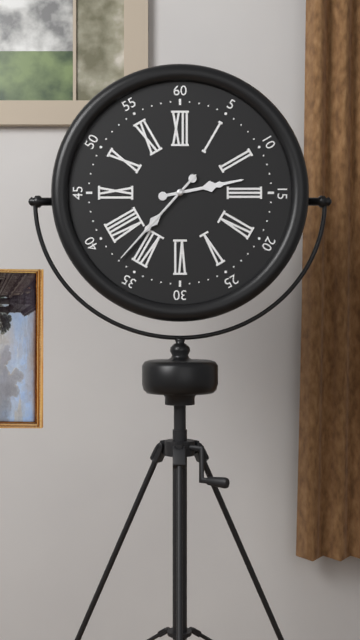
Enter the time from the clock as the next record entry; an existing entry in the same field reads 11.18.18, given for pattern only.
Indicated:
2.37.37
